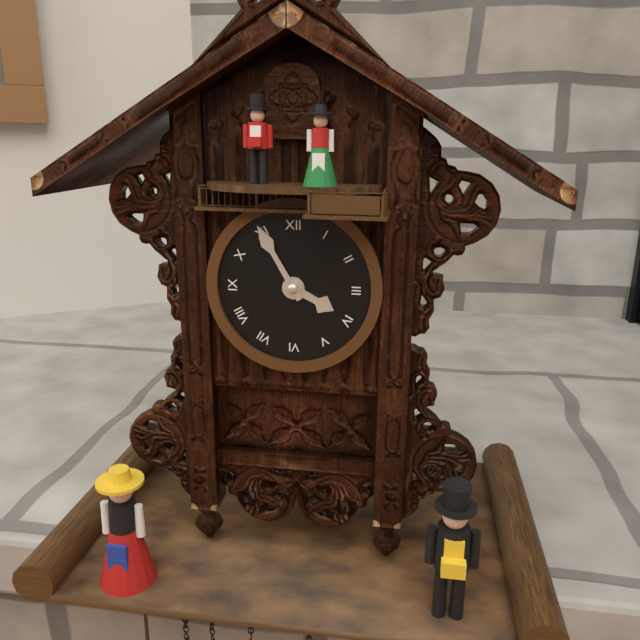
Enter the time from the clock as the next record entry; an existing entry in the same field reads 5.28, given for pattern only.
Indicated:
3.55
